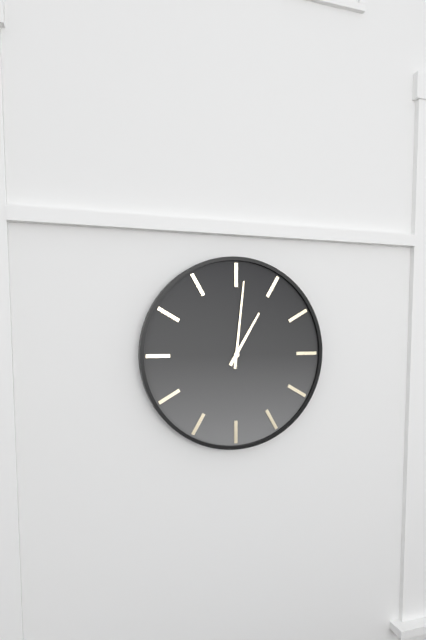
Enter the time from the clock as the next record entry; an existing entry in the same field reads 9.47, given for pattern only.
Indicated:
1.01
